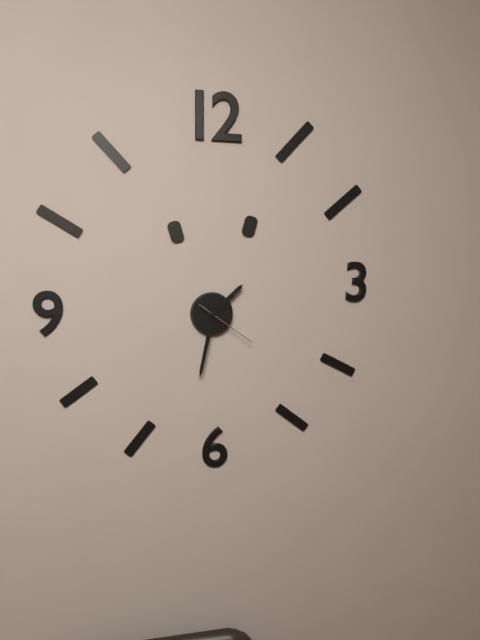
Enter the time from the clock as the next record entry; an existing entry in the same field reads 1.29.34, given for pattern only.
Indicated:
1.32.21
